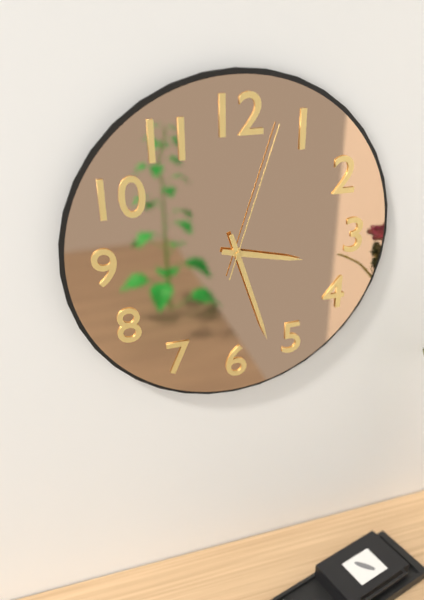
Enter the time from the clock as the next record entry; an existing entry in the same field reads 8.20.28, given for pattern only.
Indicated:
3.27.03
